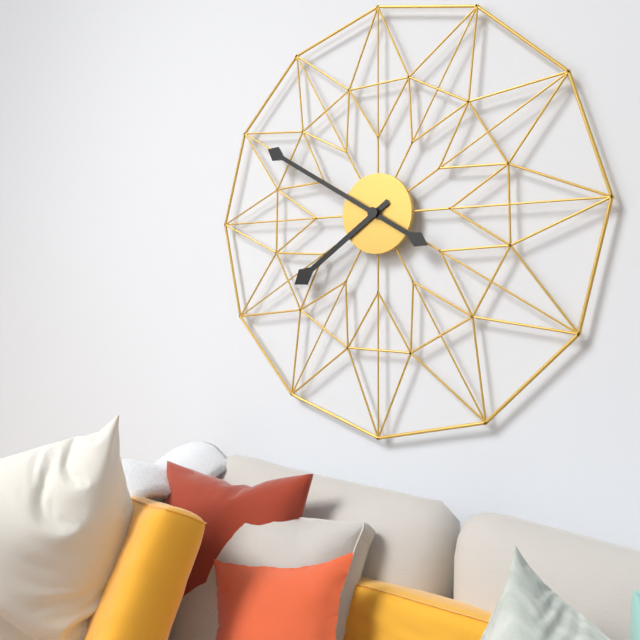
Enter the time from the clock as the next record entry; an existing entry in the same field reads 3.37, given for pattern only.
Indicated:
7.50
